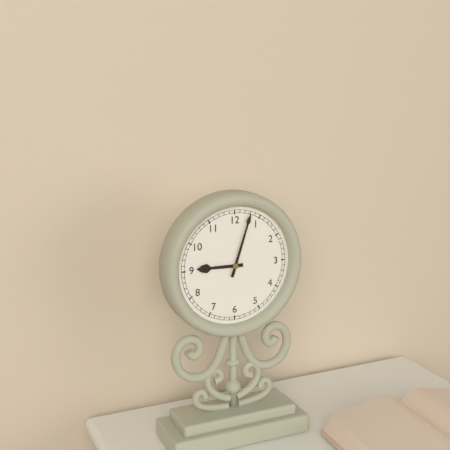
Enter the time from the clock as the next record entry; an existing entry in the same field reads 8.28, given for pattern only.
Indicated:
9.03
